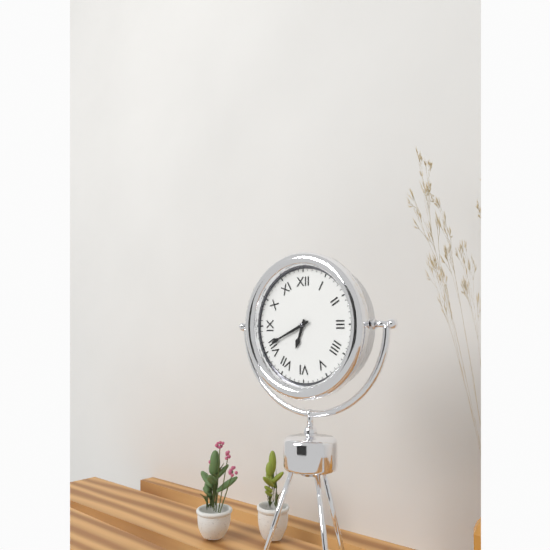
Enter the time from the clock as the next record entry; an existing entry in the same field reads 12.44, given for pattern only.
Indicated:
6.41
